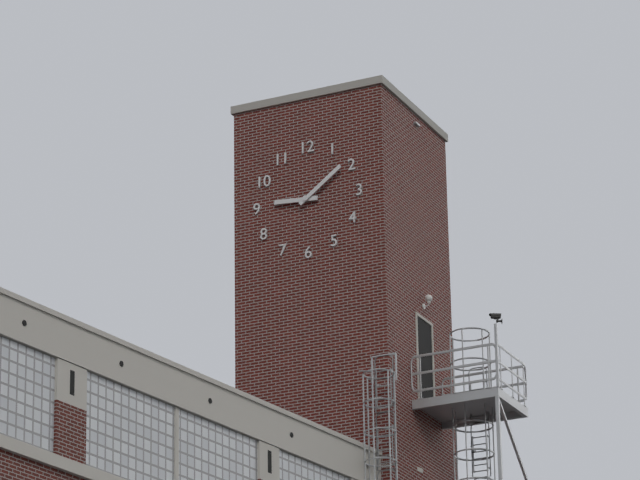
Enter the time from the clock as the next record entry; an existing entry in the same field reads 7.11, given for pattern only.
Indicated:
9.09
